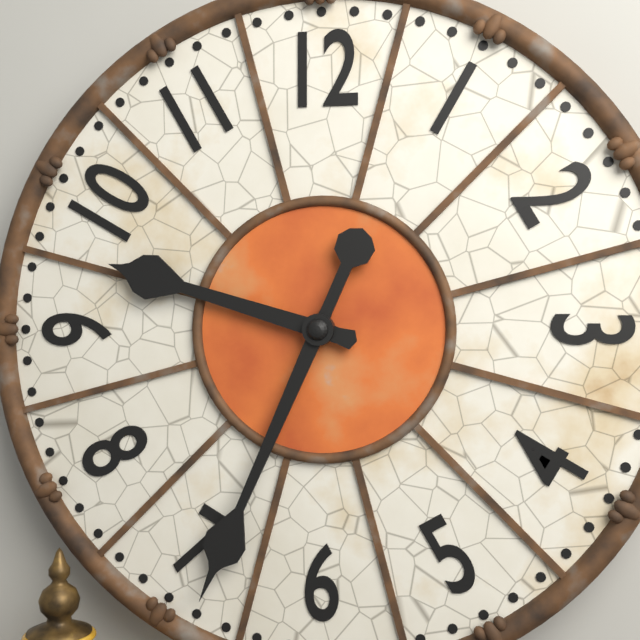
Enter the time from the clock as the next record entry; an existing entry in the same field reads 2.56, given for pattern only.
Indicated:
9.34
